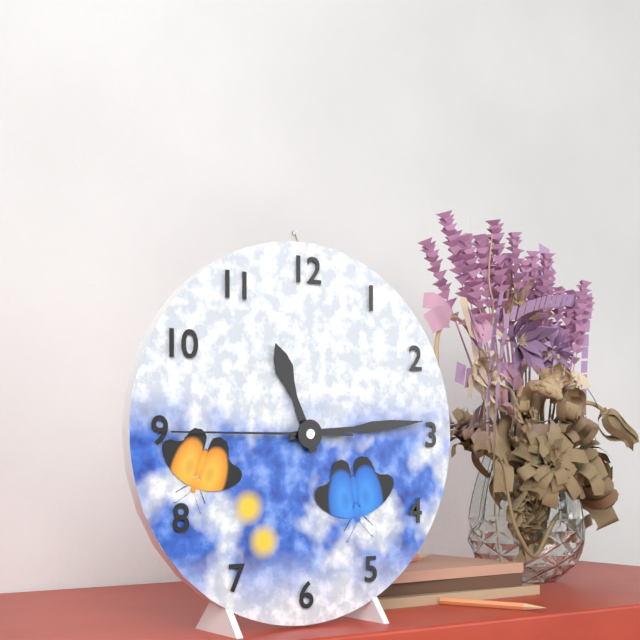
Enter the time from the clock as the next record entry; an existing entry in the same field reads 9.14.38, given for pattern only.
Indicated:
11.14.45
